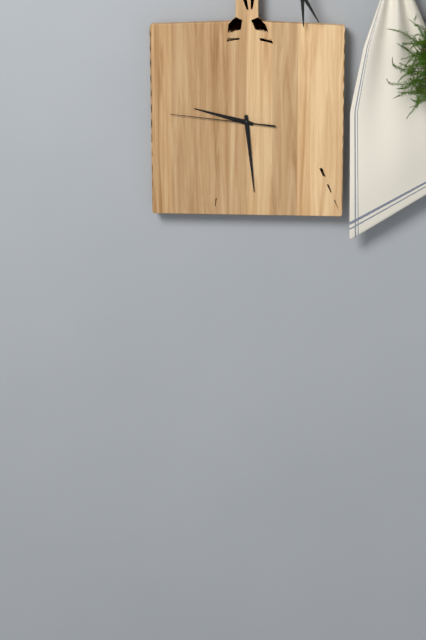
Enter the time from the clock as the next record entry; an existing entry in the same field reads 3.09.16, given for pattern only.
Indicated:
9.29.46
